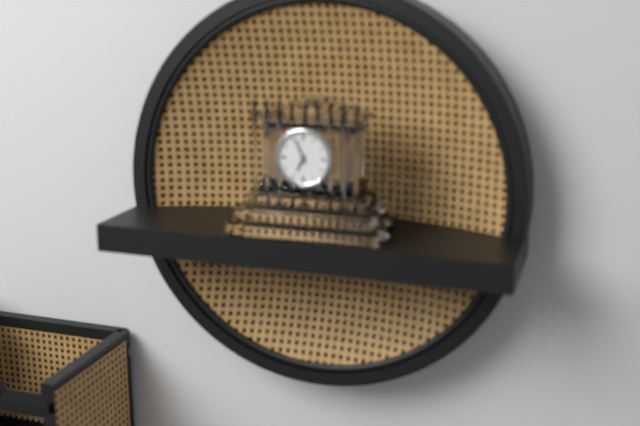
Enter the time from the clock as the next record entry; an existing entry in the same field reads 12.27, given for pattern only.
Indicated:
6.56
